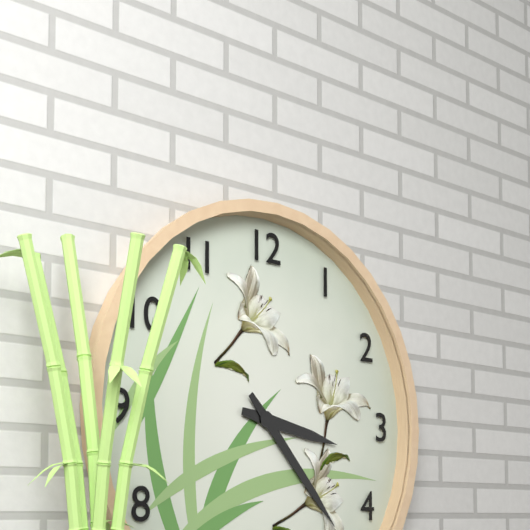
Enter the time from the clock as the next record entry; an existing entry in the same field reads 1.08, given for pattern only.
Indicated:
3.23
